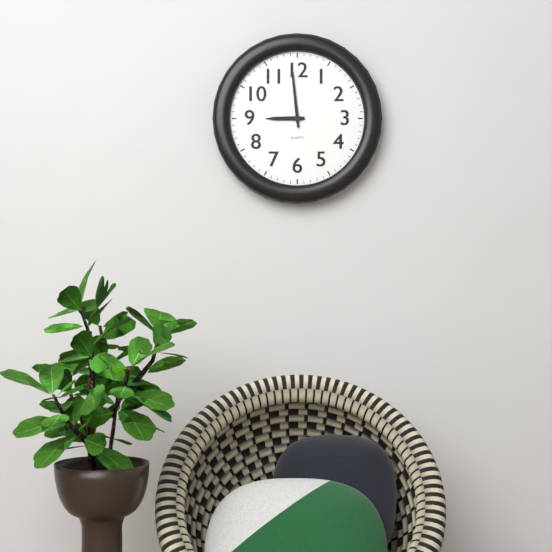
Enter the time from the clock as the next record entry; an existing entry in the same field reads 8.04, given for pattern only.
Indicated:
8.59
